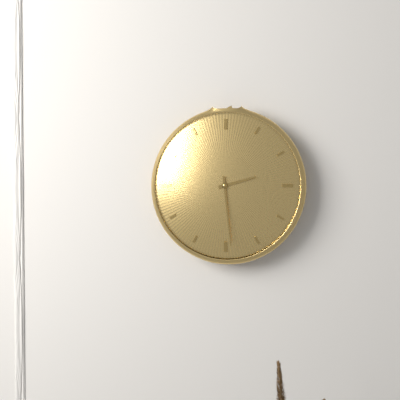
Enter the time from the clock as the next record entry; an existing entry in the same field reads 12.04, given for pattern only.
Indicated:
2.29
